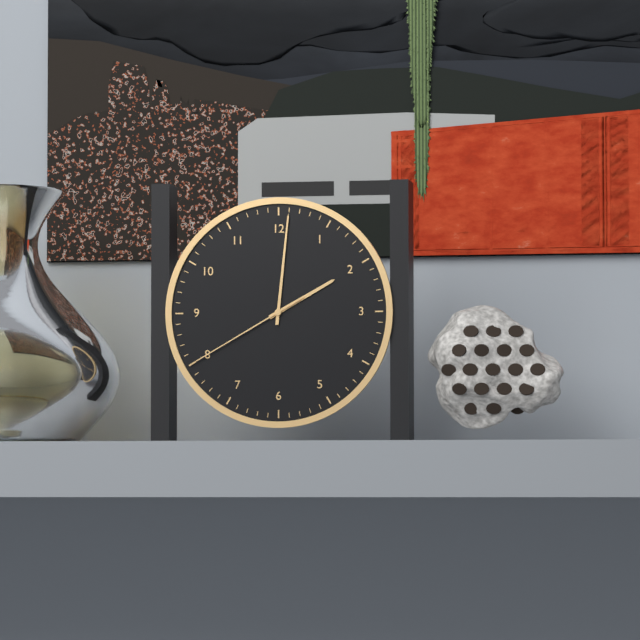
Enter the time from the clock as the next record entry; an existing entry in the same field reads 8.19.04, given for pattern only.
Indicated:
2.01.40
